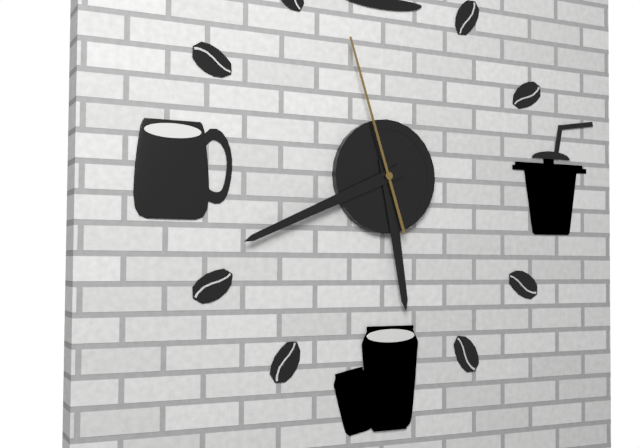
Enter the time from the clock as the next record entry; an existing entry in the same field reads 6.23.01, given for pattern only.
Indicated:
5.41.57
